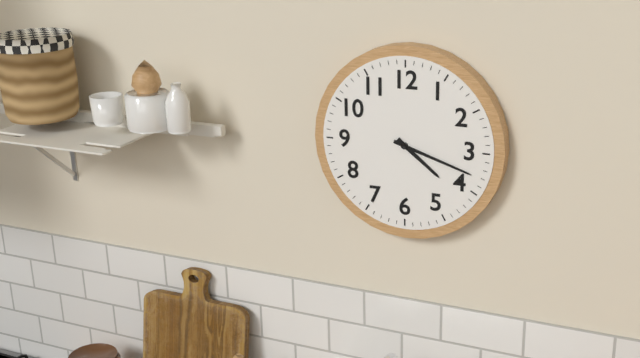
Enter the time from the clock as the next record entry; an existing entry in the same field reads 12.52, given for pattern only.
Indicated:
4.18
